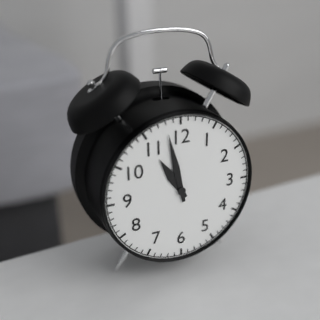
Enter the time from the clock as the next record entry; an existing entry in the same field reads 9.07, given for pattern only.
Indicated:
10.58
